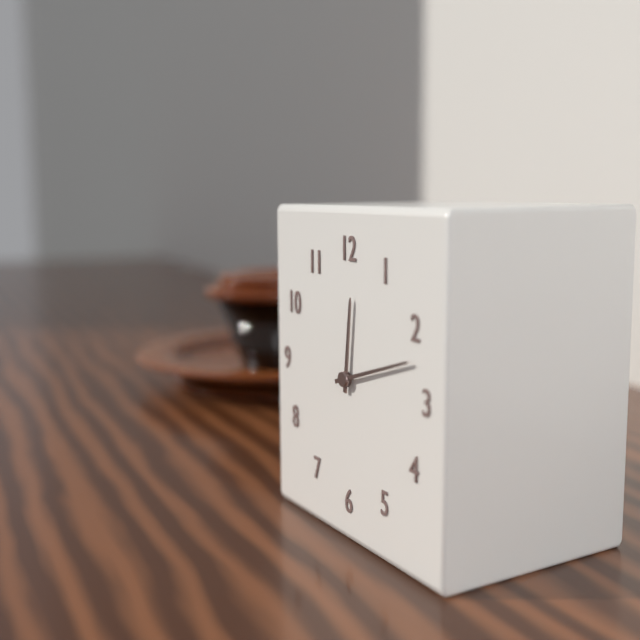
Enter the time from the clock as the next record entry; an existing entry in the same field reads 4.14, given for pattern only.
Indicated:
12.12
